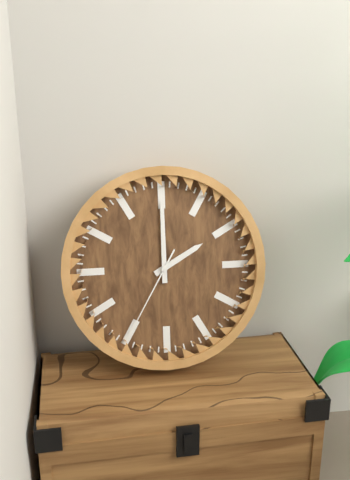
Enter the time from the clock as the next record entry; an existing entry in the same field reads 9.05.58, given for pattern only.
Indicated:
2.00.35
